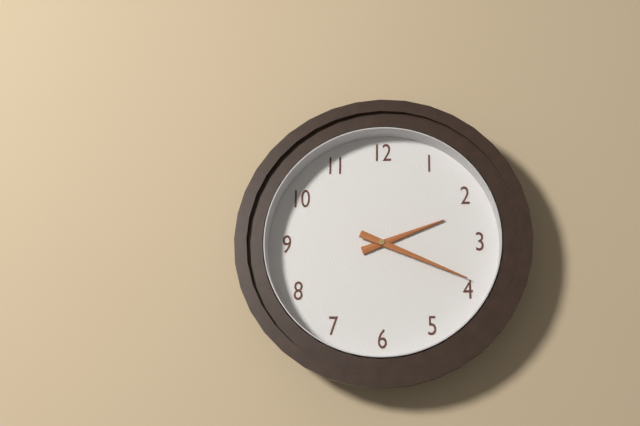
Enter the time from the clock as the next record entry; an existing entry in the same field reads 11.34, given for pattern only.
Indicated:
2.19
